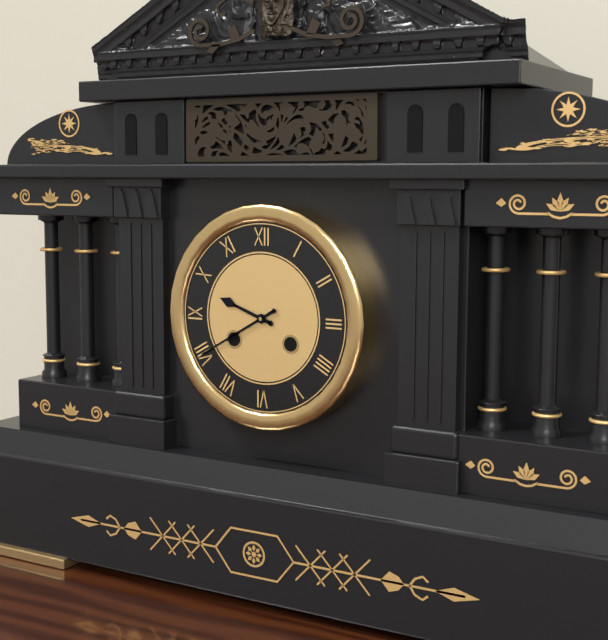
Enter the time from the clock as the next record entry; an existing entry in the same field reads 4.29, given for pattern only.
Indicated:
9.40
